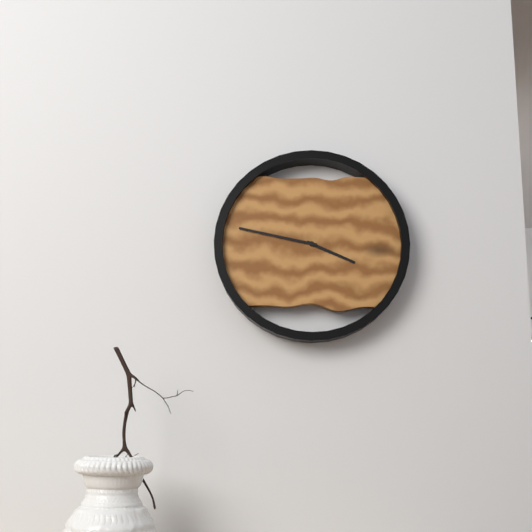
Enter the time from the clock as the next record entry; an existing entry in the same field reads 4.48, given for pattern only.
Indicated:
3.47
